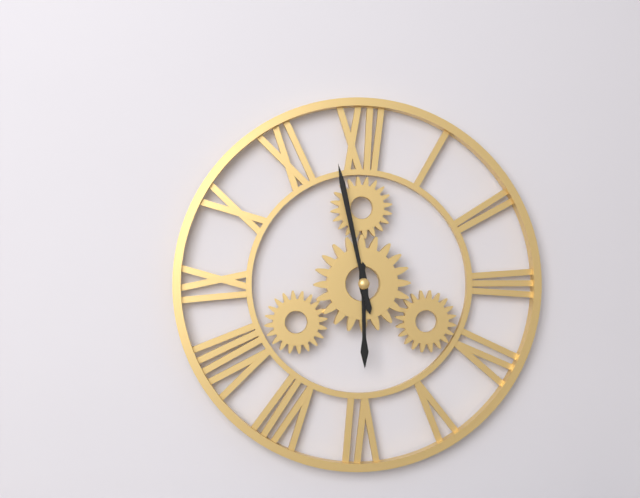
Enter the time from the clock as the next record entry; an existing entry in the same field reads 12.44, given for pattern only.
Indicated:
5.58
